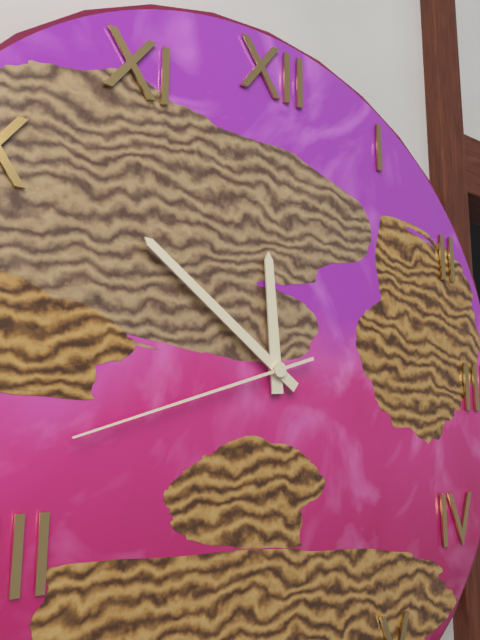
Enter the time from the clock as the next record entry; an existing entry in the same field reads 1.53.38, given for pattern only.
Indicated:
11.51.42
